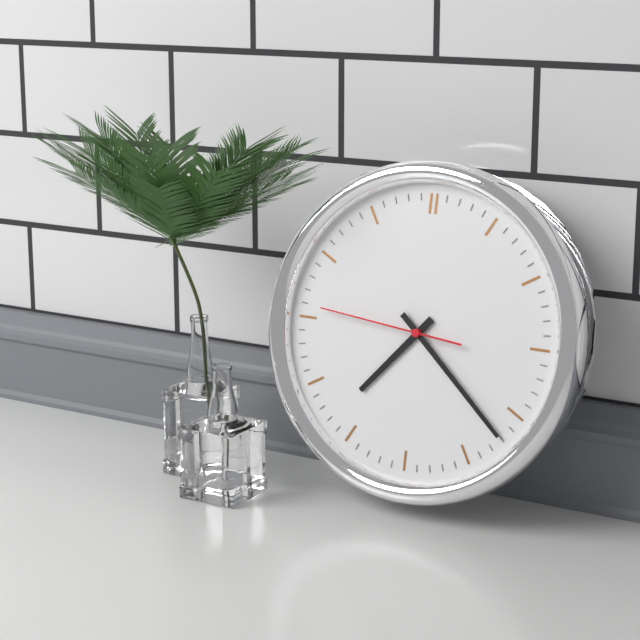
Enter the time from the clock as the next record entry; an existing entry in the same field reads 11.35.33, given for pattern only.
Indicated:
7.22.46
